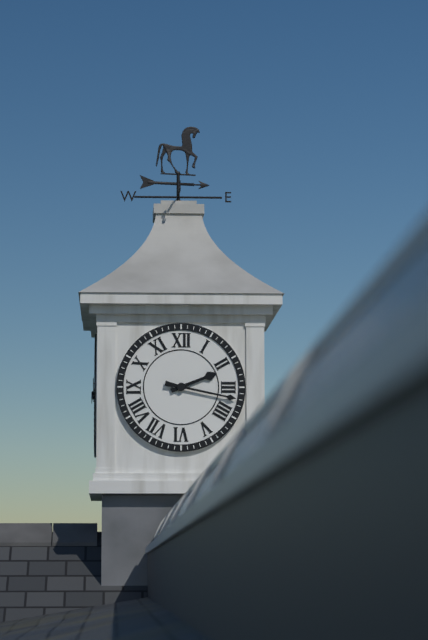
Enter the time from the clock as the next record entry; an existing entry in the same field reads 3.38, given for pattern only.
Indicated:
2.17
